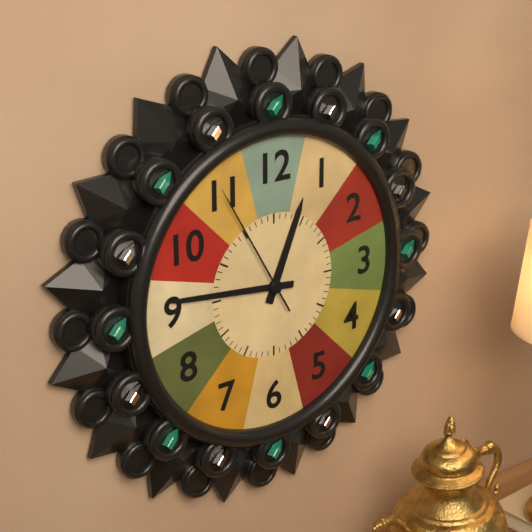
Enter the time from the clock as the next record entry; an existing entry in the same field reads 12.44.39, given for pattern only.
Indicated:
12.46.55
